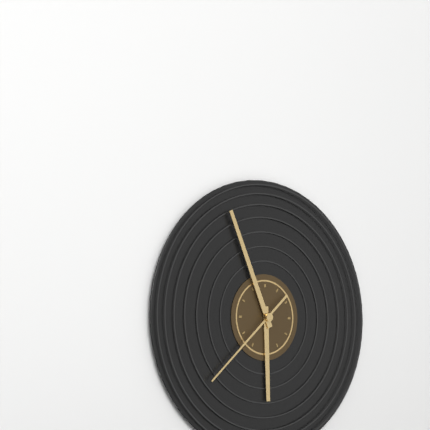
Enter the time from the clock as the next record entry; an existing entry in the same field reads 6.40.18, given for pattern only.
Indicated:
5.56.38
